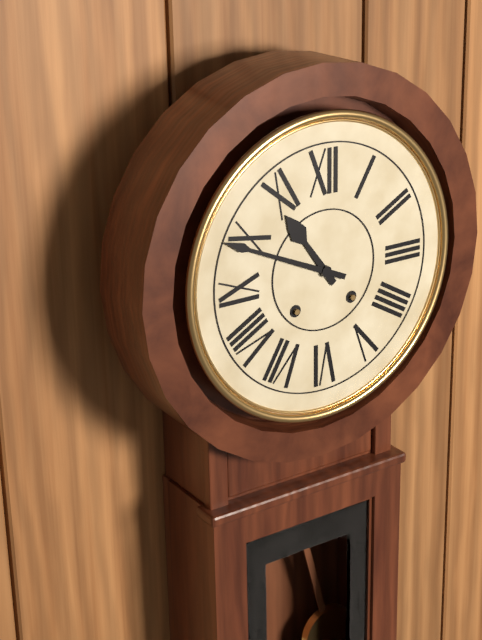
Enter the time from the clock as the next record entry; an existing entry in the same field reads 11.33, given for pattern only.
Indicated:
10.49
